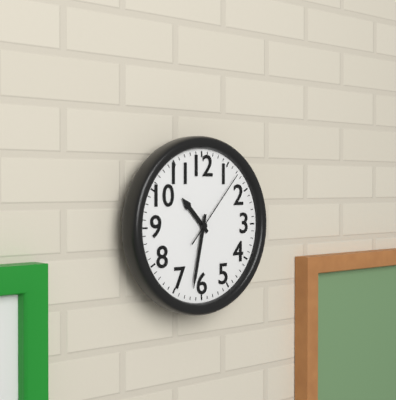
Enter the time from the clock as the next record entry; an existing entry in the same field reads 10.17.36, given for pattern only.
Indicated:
10.32.07
